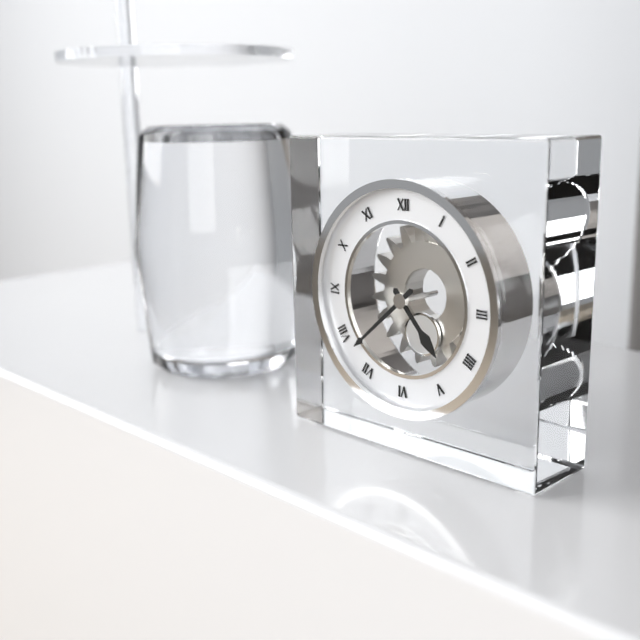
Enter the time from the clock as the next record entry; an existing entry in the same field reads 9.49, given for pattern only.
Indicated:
4.38
